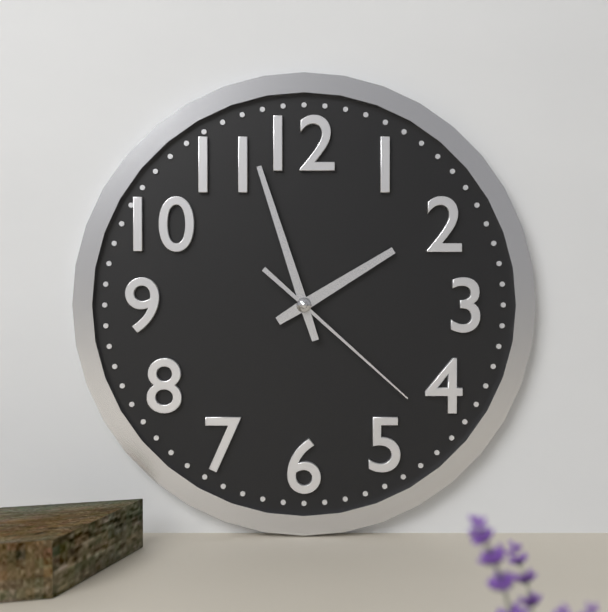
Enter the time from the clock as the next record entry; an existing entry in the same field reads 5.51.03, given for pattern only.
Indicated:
1.57.22
